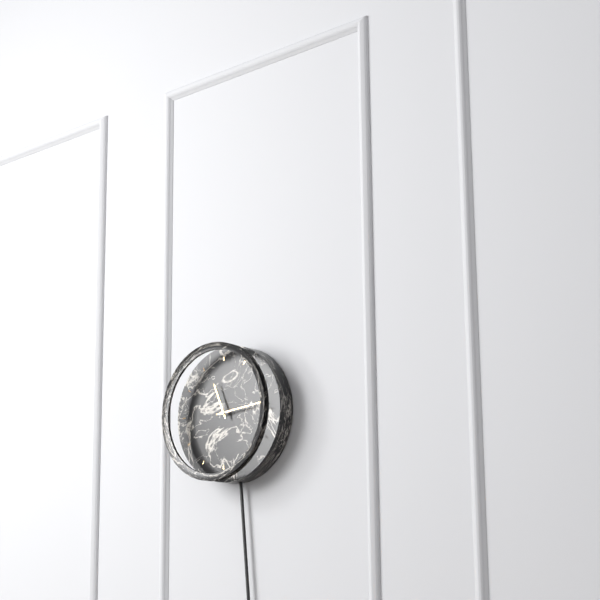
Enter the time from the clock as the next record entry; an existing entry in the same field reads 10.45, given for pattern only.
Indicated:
11.14
